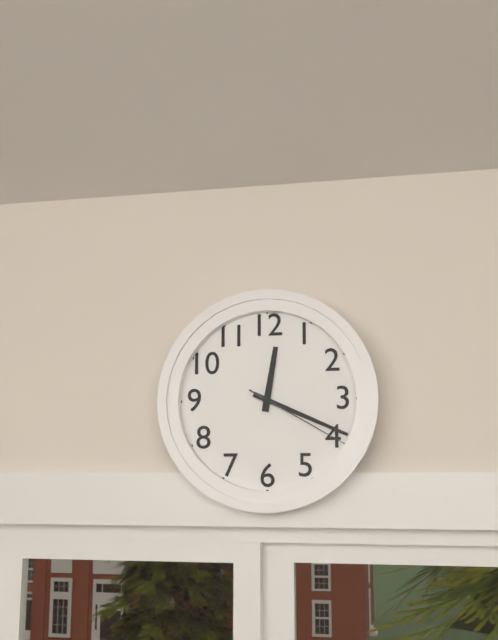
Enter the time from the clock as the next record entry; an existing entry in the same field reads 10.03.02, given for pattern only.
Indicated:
12.19.20
